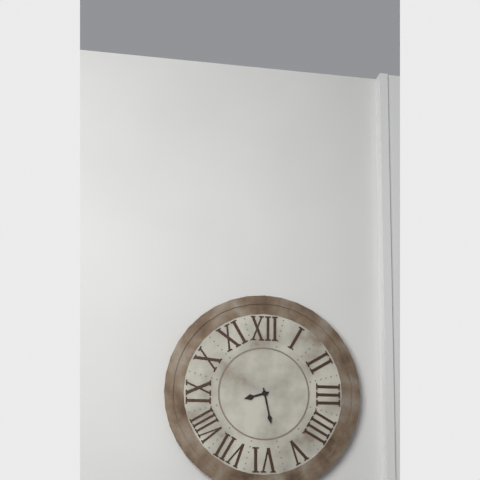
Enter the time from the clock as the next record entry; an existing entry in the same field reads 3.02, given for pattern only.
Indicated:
8.28
